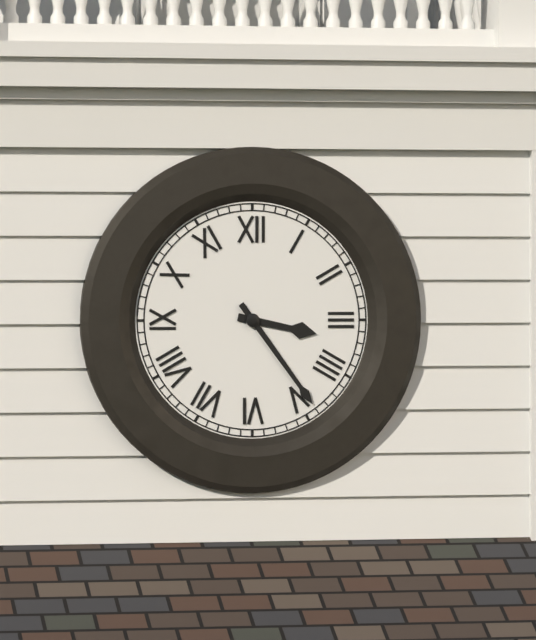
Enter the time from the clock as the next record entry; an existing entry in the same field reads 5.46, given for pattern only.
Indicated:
3.24
